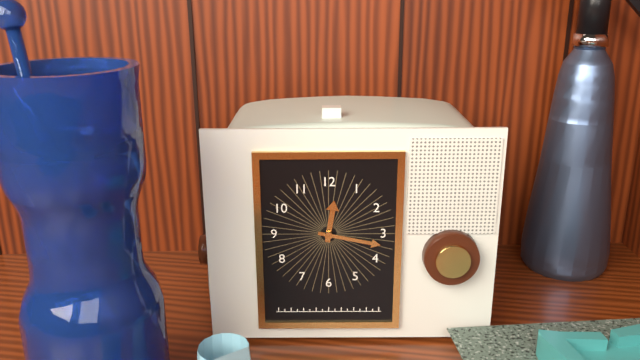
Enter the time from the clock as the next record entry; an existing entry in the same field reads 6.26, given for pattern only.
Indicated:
12.17
